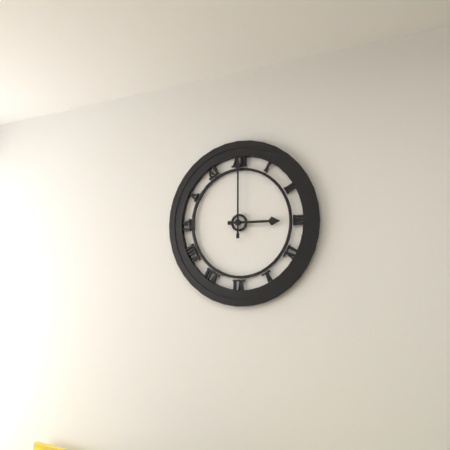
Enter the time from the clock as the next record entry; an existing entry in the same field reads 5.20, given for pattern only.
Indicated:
3.00
